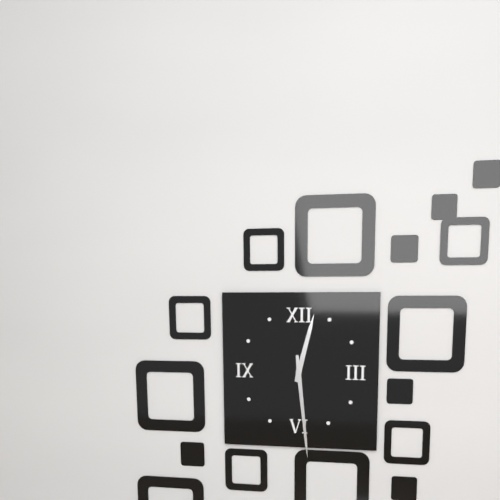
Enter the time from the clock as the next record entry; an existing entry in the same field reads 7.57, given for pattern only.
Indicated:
12.29
